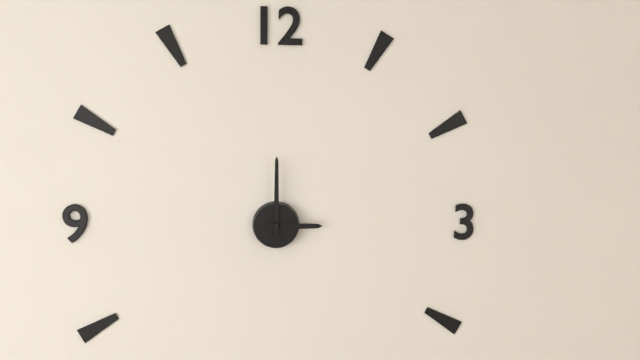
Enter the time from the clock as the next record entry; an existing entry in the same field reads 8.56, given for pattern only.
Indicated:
3.00
